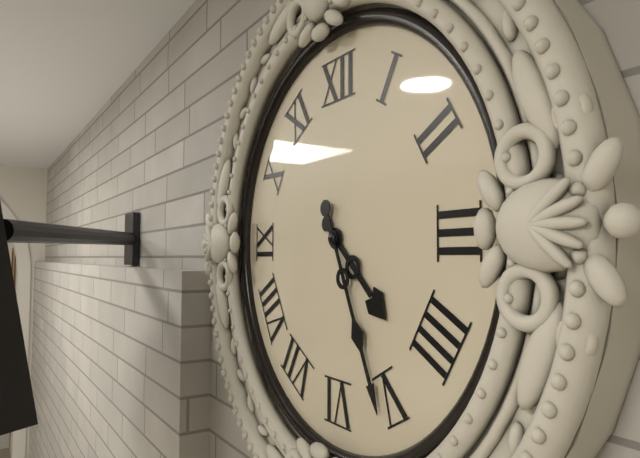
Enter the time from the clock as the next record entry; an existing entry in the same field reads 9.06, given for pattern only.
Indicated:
4.26
